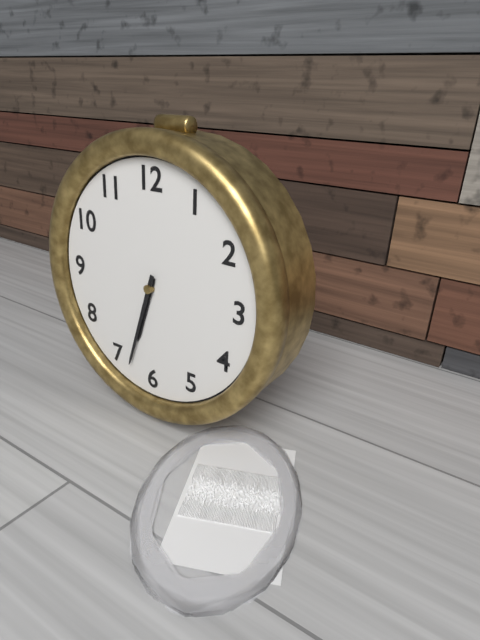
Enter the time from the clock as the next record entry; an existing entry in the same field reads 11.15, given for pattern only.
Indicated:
6.33
